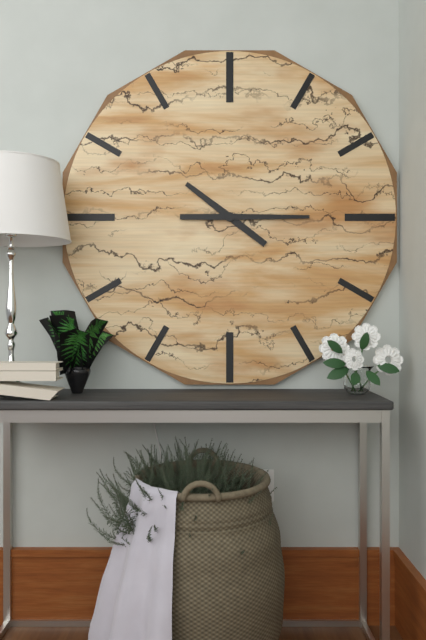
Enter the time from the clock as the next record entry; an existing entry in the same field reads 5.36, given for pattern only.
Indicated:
10.15
